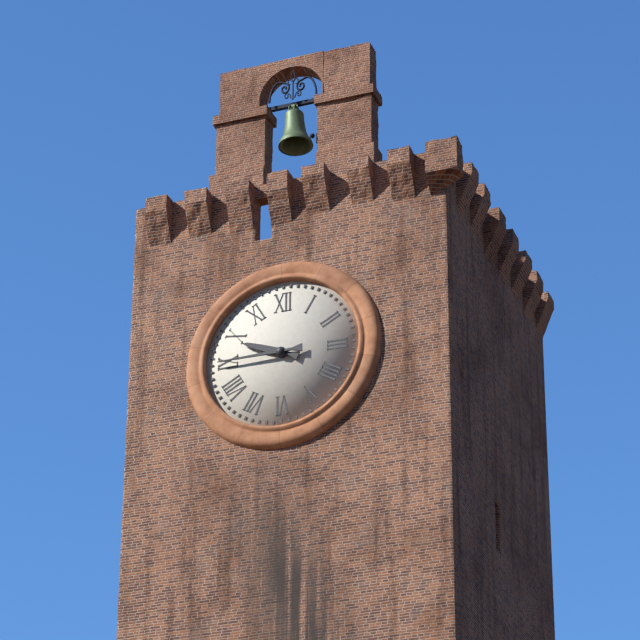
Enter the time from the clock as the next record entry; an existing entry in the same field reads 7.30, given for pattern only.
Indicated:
9.45
